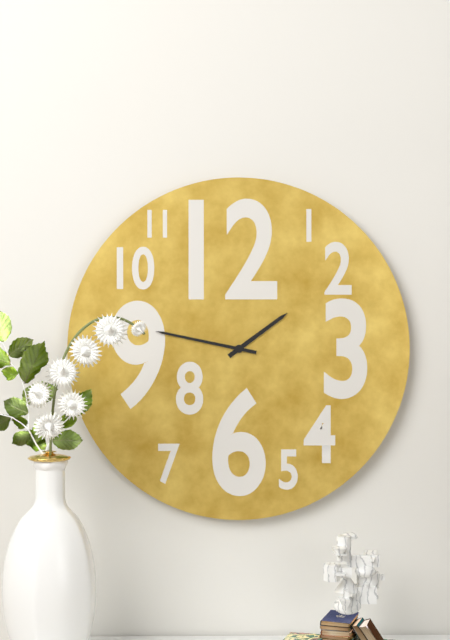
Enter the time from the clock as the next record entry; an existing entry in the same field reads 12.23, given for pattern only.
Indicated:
1.47
